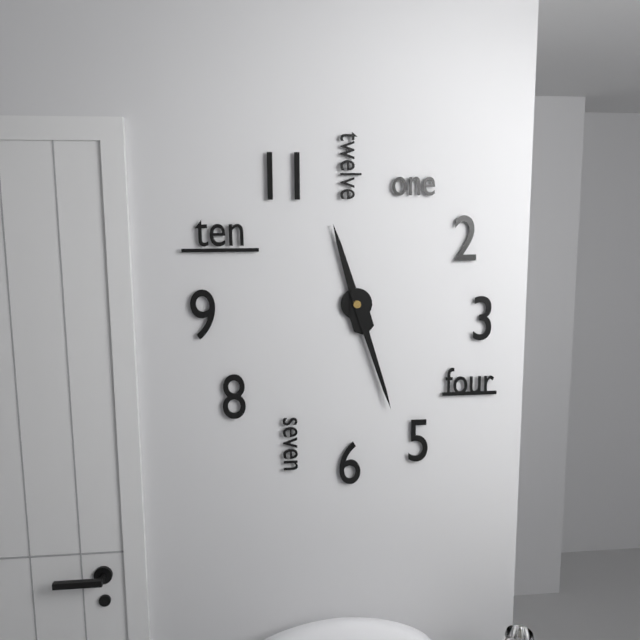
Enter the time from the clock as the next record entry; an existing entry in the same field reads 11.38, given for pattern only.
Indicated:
11.27
